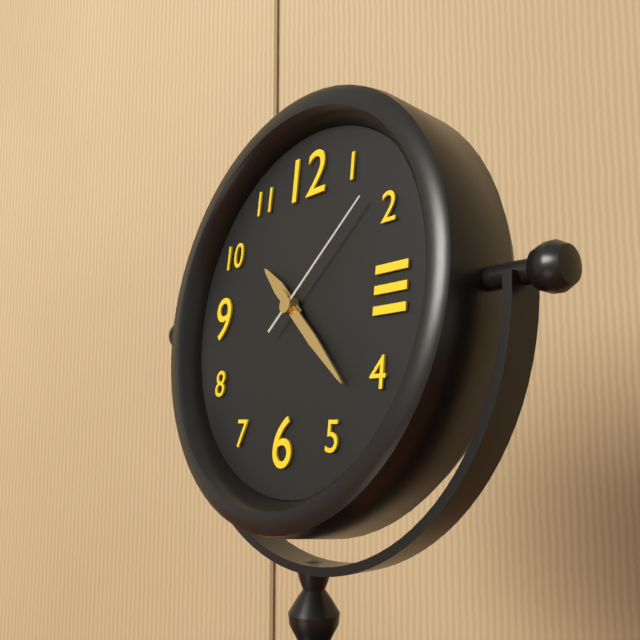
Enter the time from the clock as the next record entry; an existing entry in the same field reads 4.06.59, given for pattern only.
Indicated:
10.22.08
